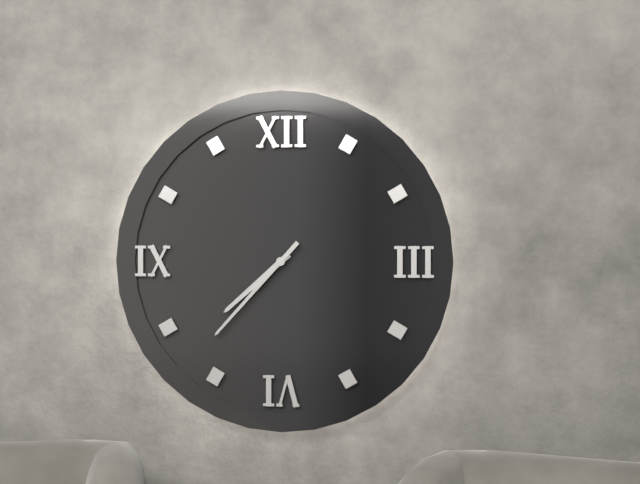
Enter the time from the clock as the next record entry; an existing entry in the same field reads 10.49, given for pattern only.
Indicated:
7.37
